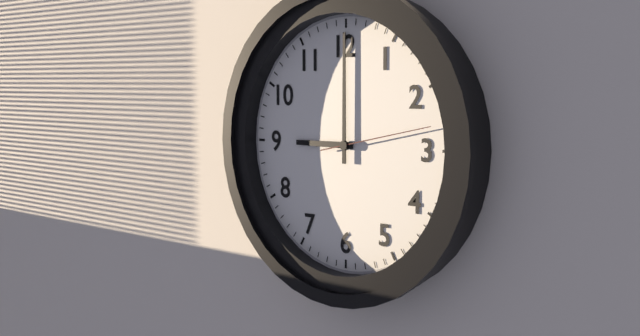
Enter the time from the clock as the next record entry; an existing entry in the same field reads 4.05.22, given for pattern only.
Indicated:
9.00.13
